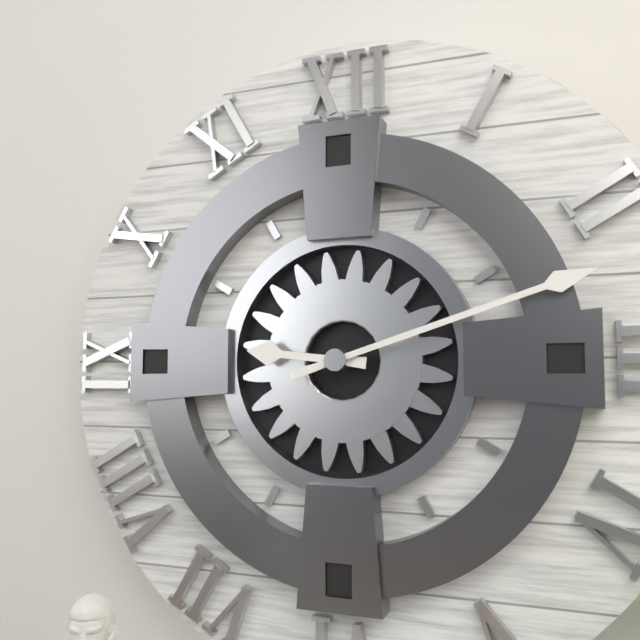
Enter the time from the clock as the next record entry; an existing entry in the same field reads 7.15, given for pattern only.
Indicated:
9.12
